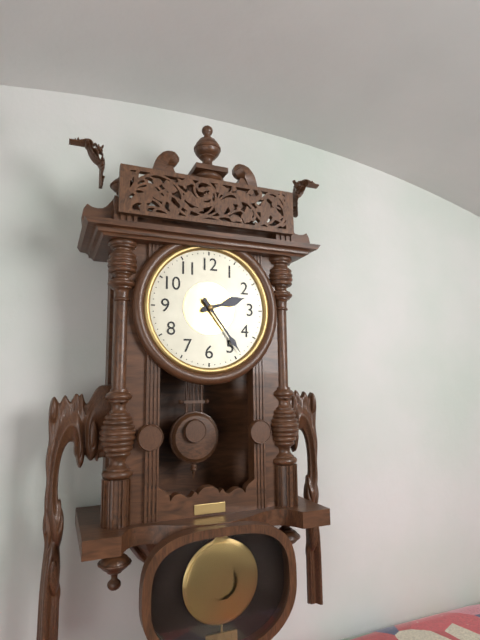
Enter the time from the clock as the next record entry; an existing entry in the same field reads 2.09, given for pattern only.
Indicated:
2.24
